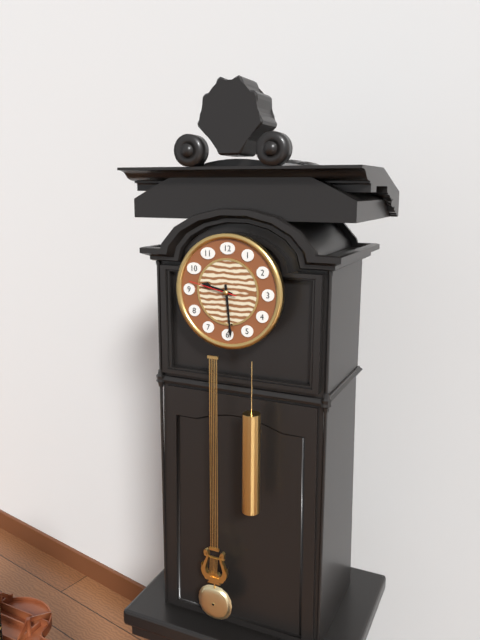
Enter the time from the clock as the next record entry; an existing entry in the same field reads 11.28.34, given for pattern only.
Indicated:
9.29.47
